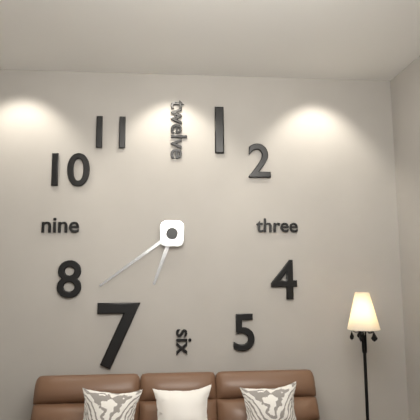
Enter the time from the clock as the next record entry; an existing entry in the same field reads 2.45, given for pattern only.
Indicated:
6.39
